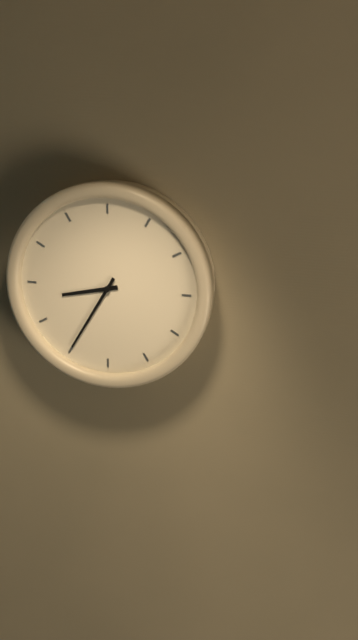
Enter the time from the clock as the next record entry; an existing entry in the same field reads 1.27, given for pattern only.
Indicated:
8.35
